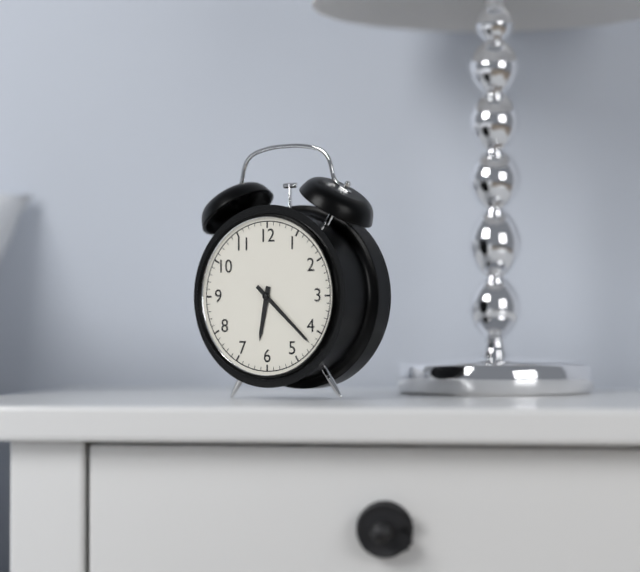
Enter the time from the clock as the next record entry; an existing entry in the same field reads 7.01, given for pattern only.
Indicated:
6.22
